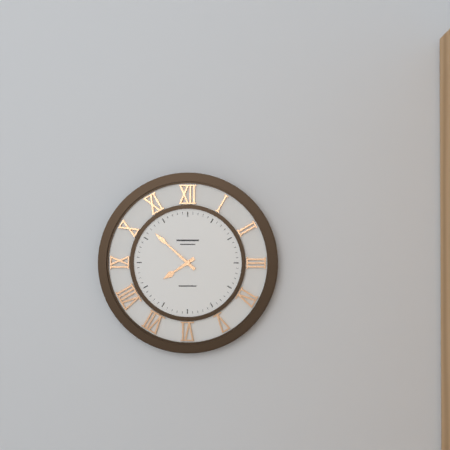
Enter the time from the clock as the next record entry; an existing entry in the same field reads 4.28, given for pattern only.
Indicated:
7.52
